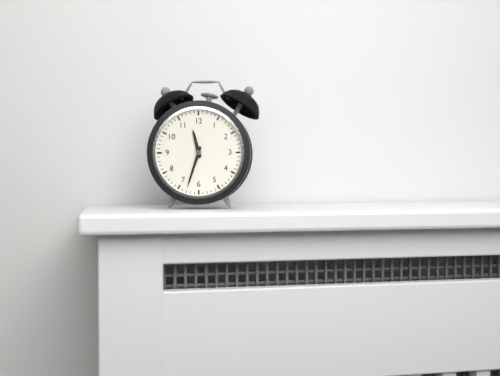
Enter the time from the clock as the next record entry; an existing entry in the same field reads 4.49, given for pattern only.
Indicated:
11.33
